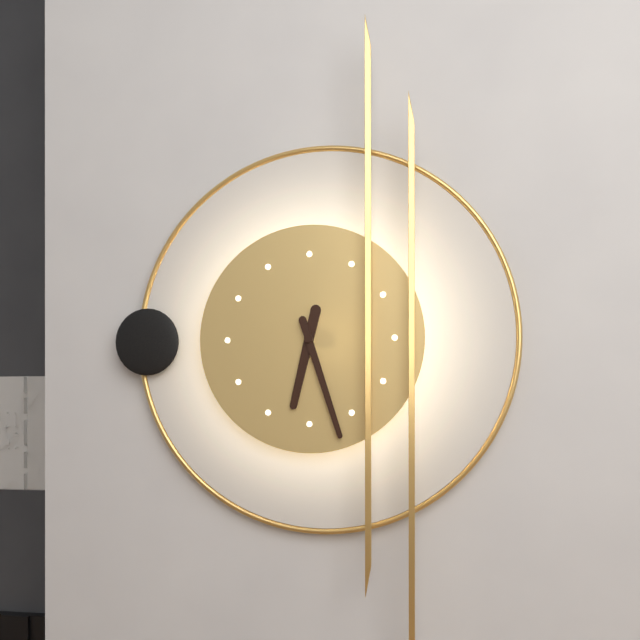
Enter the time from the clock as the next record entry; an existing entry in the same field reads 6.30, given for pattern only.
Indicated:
6.27
